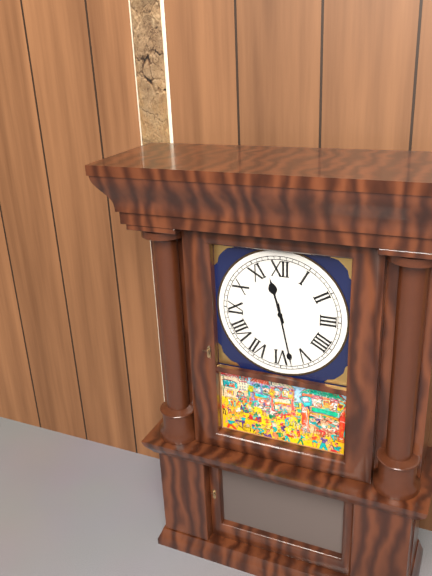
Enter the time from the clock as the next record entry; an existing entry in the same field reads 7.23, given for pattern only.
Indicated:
11.28
